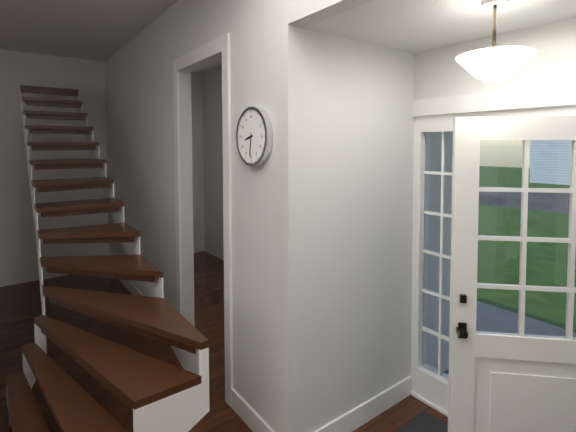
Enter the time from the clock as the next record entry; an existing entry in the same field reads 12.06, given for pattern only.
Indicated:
8.31
